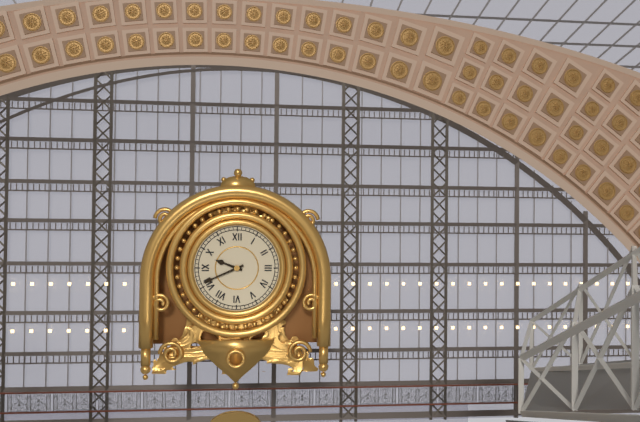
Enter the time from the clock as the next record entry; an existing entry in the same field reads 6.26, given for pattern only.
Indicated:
9.41
